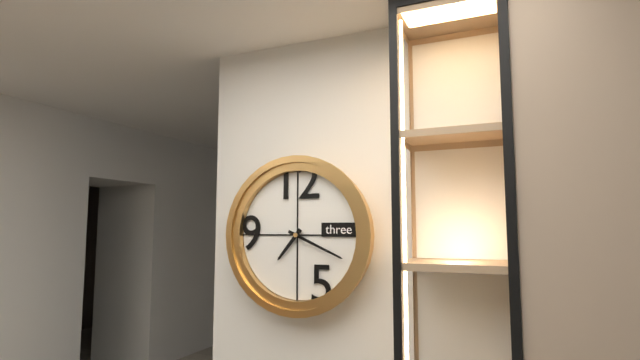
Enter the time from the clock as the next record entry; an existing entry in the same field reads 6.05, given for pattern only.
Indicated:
7.19
